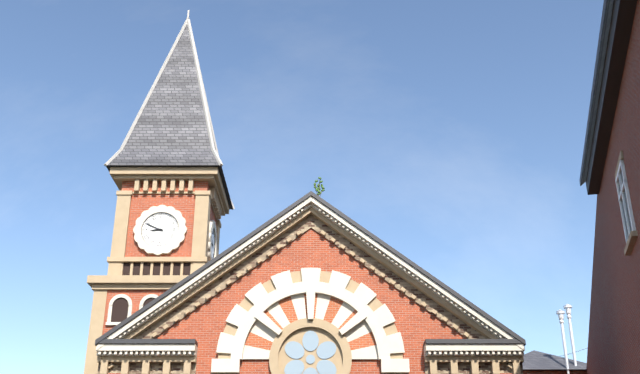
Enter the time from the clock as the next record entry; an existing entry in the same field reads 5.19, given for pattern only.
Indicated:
8.49
